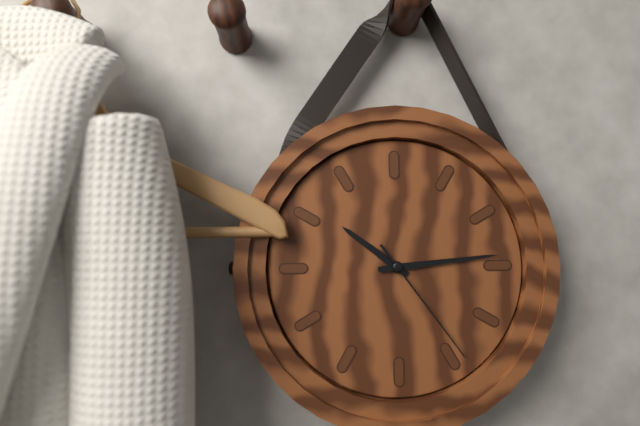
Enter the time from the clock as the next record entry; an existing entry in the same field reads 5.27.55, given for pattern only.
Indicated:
10.14.24
